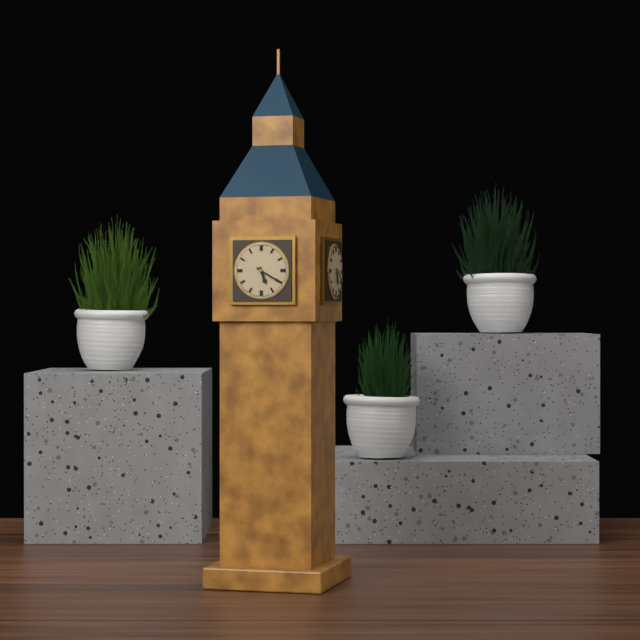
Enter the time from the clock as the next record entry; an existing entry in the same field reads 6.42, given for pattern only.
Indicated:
5.20
